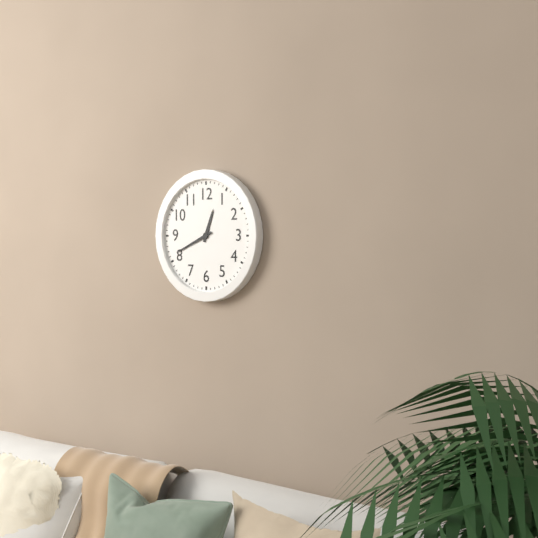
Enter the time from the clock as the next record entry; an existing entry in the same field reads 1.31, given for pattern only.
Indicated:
12.41
